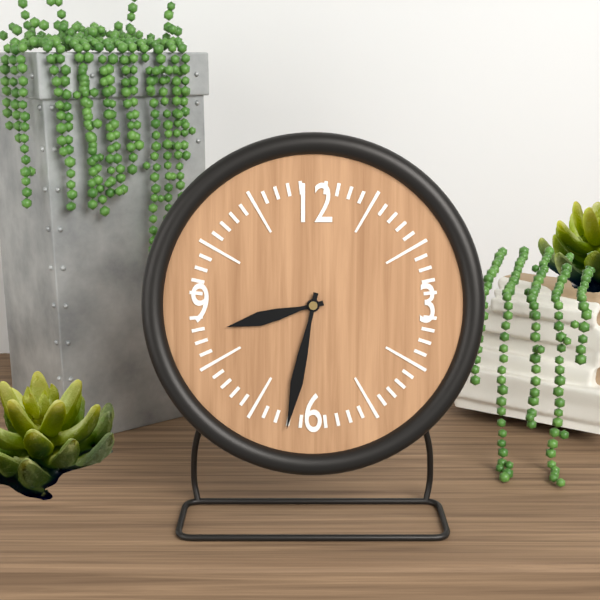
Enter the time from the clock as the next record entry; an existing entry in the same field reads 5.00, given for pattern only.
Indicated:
8.32
